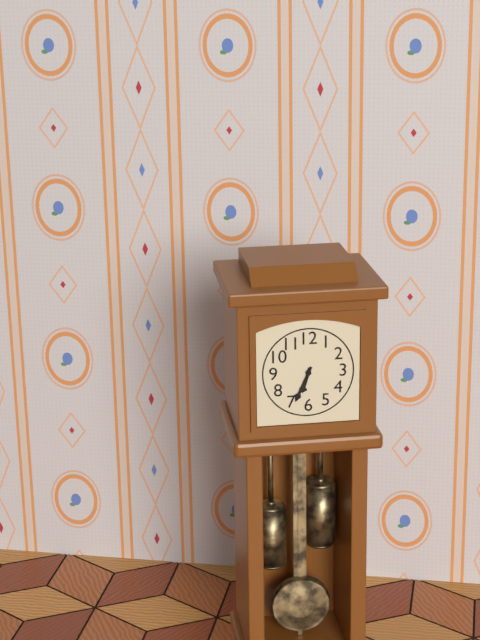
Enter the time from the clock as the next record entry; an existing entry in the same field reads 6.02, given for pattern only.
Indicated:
6.34
